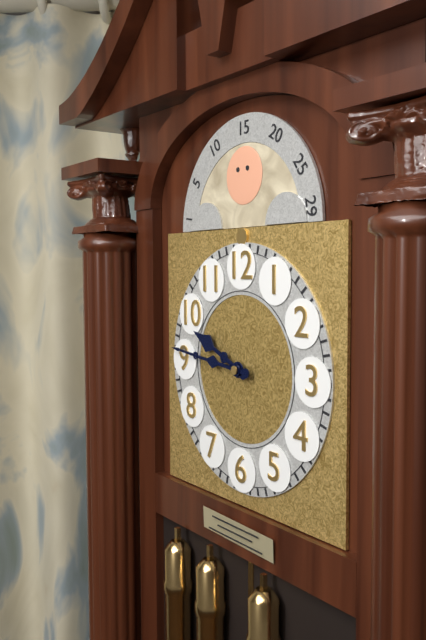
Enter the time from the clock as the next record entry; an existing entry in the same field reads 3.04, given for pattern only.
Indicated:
9.46
